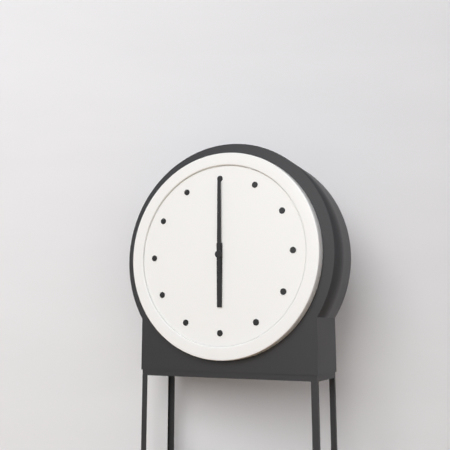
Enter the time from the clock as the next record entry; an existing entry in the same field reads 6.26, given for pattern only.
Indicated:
6.00
